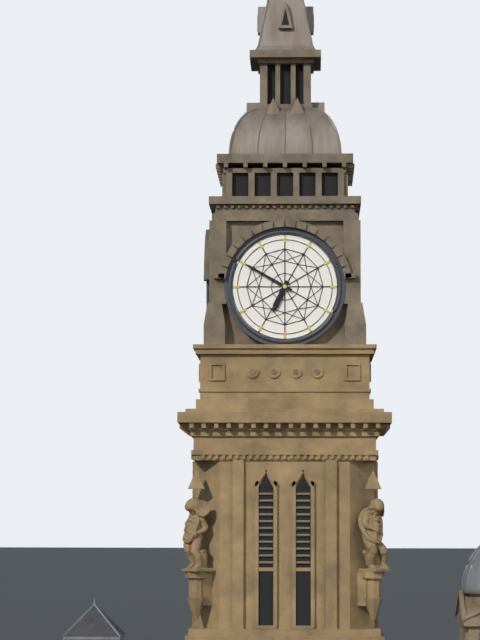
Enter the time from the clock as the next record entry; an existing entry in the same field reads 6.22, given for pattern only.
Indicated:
6.50
